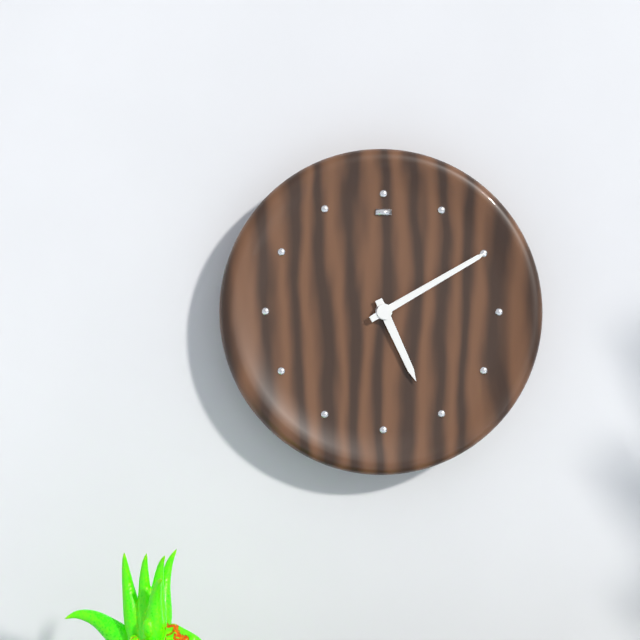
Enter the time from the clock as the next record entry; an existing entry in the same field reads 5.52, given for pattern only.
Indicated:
5.10
